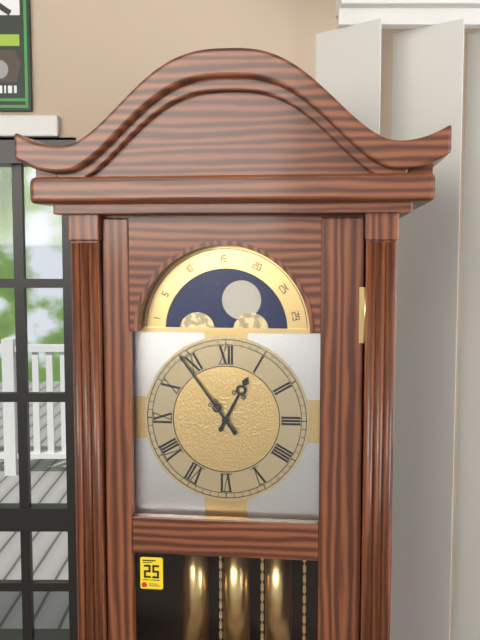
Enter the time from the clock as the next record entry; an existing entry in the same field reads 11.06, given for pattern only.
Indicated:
12.54
